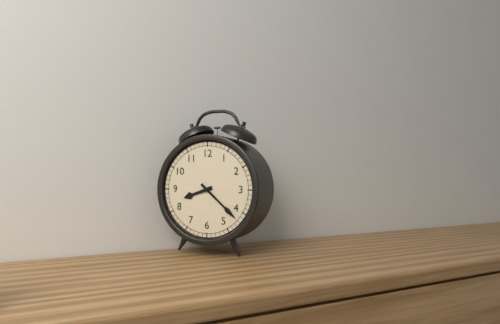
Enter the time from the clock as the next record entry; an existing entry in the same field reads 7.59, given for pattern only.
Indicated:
8.22
